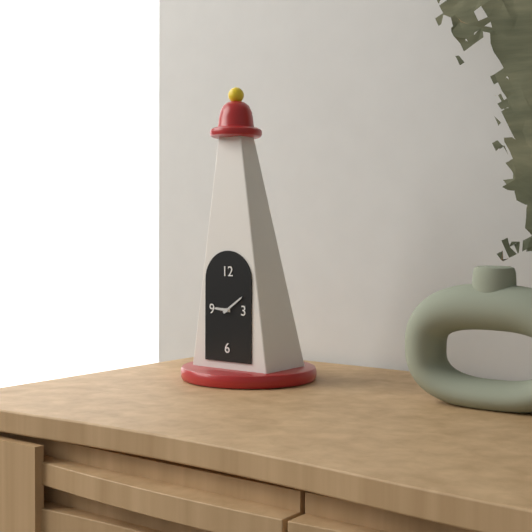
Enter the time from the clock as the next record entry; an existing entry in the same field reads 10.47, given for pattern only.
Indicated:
9.09
